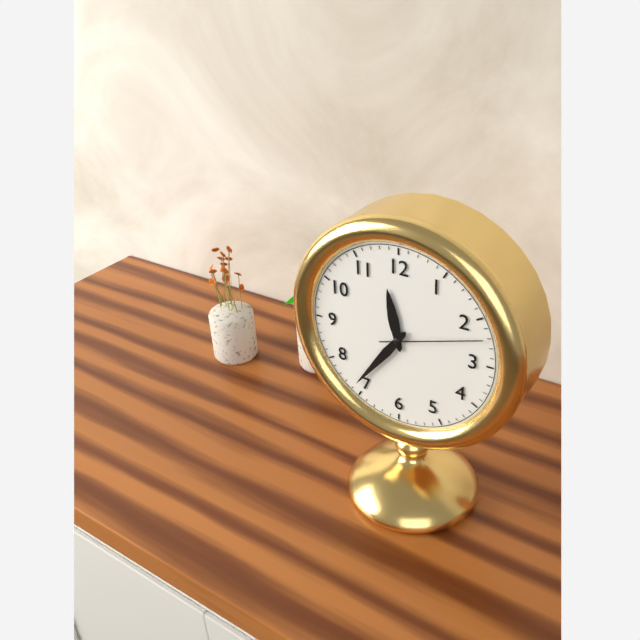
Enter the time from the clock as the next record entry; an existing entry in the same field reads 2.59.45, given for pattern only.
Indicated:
11.36.12
